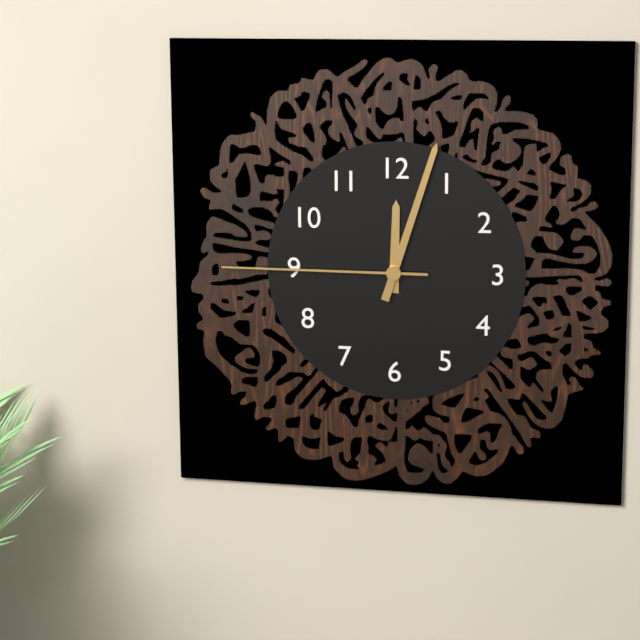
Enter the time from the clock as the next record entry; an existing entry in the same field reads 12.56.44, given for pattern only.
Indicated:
12.03.45
